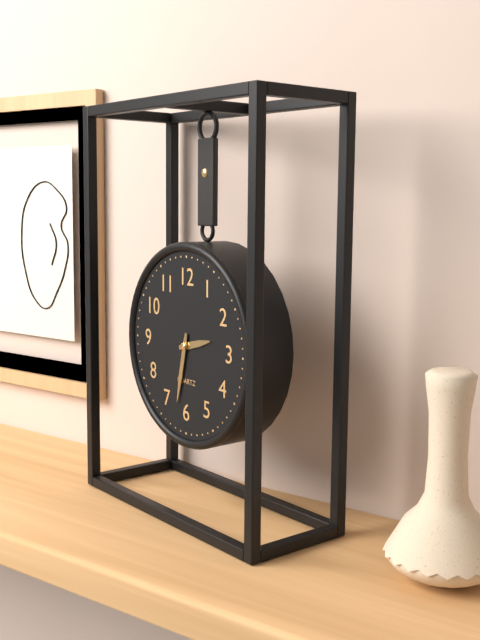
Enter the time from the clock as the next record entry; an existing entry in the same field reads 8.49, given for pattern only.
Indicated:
2.32
